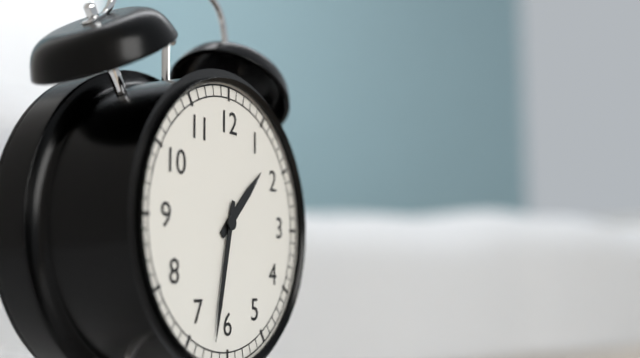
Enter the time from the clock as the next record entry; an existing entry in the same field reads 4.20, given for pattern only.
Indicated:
1.32
